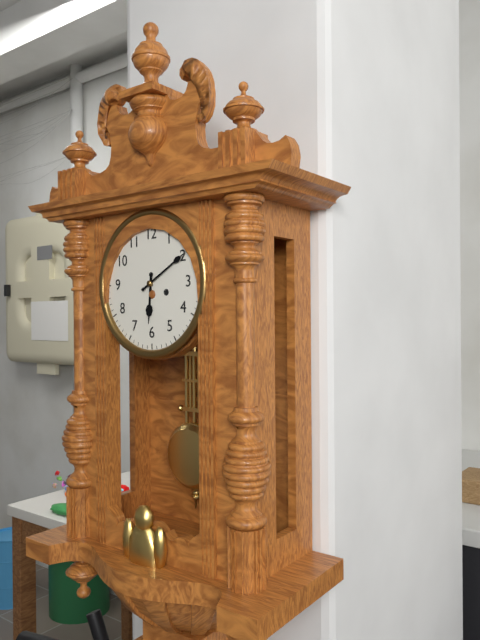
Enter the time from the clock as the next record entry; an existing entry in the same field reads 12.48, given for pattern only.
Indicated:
6.10
